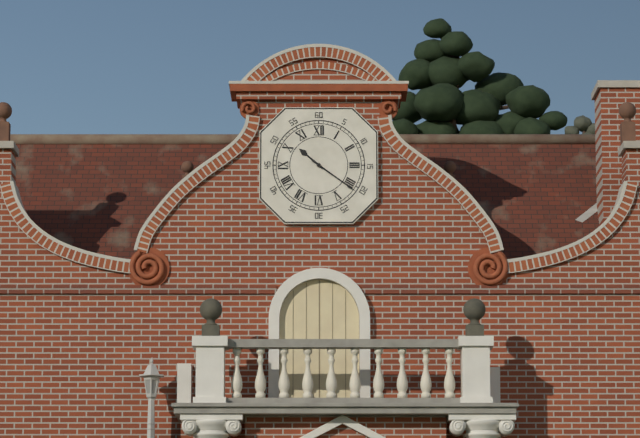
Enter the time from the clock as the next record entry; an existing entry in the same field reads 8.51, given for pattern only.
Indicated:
10.21
